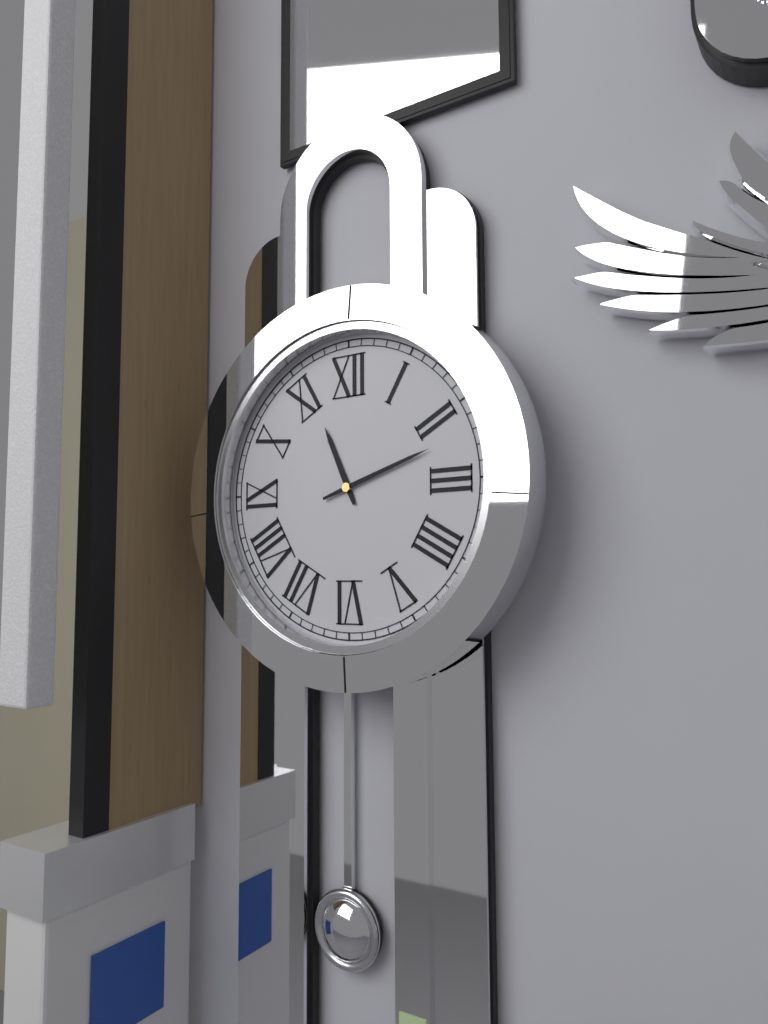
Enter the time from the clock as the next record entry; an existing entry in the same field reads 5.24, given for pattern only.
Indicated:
11.12
